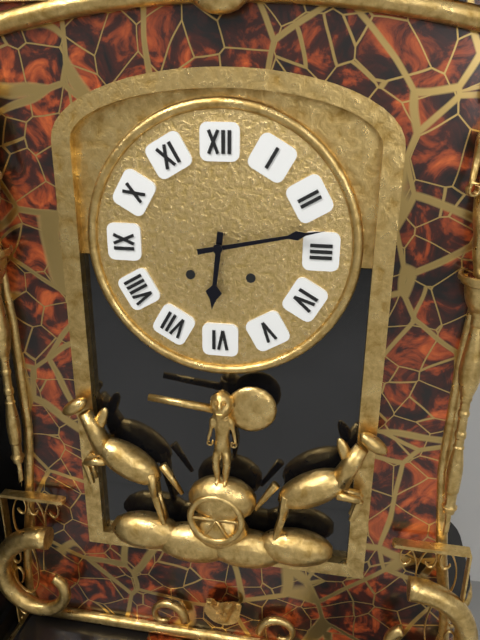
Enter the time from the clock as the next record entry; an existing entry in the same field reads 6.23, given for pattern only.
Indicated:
6.13
